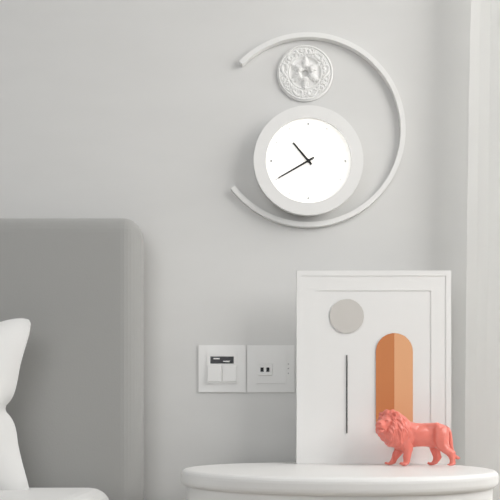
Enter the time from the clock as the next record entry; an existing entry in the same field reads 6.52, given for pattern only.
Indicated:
10.40
